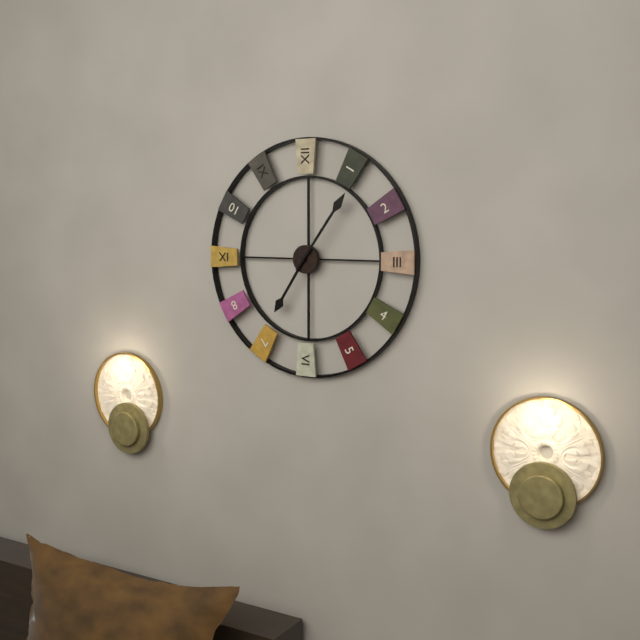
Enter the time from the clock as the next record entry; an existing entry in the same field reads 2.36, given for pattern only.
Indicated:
7.06
